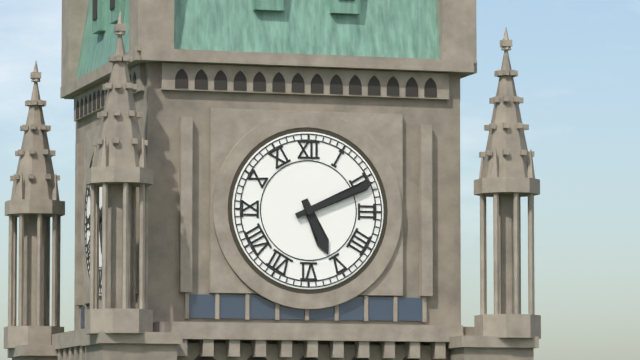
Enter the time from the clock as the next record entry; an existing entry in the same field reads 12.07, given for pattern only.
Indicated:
5.11
